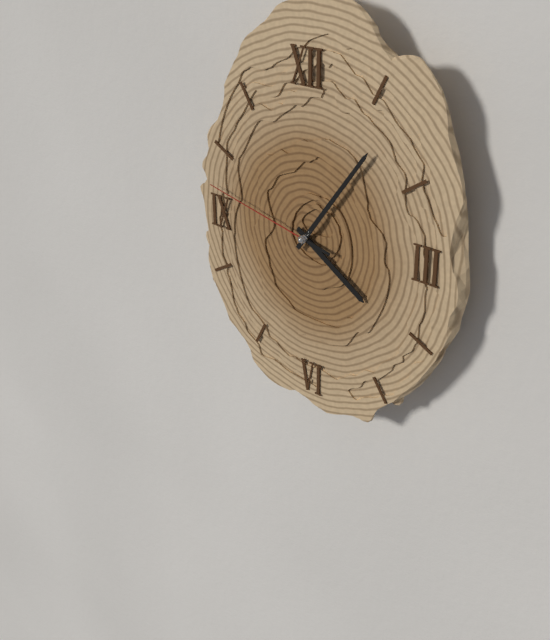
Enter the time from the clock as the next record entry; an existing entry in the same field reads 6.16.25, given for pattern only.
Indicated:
4.06.47
